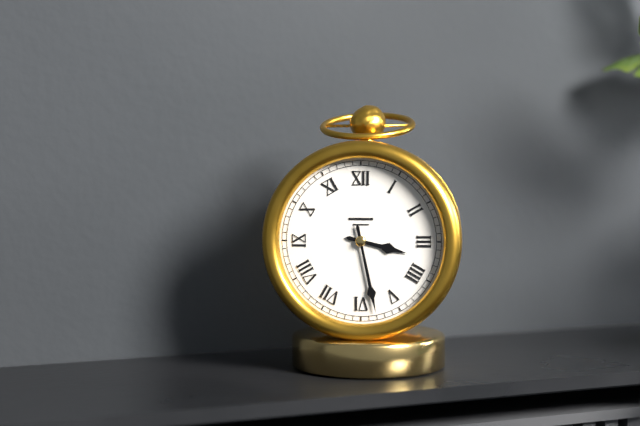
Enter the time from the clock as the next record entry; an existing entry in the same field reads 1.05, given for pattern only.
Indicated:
3.28
